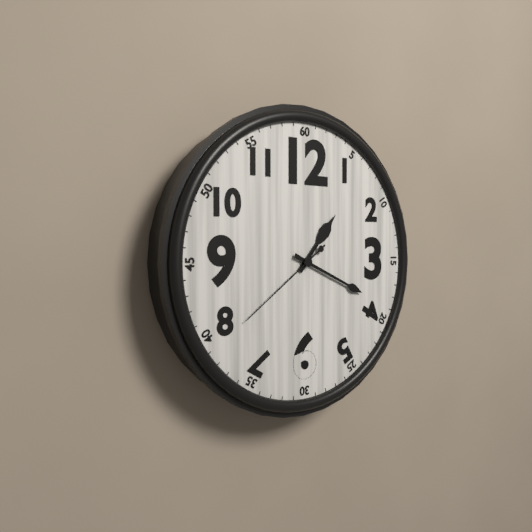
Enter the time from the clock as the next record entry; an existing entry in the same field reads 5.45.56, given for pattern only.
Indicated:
1.19.39
